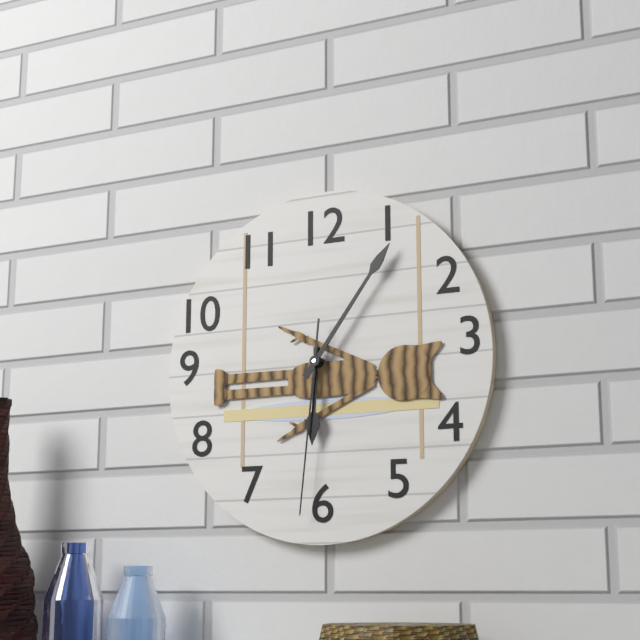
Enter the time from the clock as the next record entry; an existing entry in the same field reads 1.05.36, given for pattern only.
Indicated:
6.06.31
